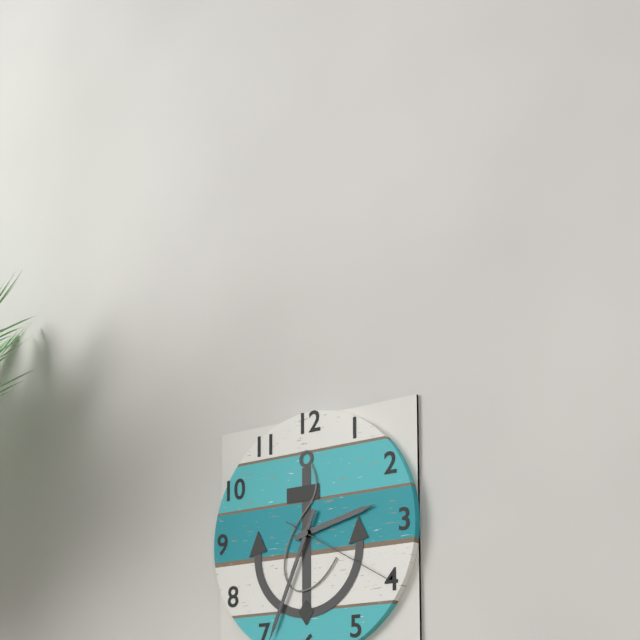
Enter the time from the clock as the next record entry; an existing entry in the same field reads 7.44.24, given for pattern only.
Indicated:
2.34.20
